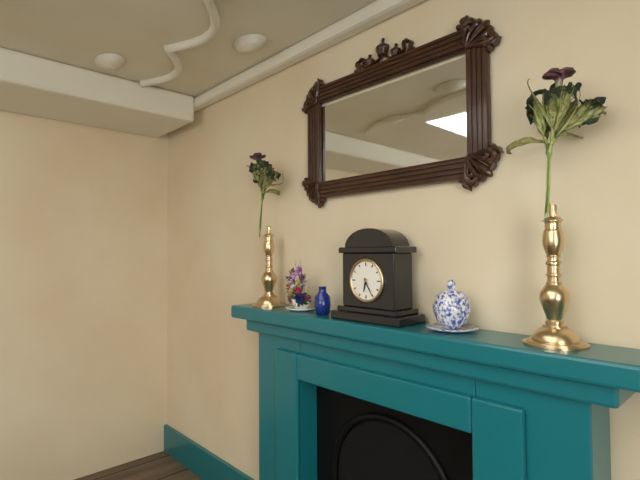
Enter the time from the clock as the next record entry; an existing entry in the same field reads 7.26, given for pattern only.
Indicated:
6.25
